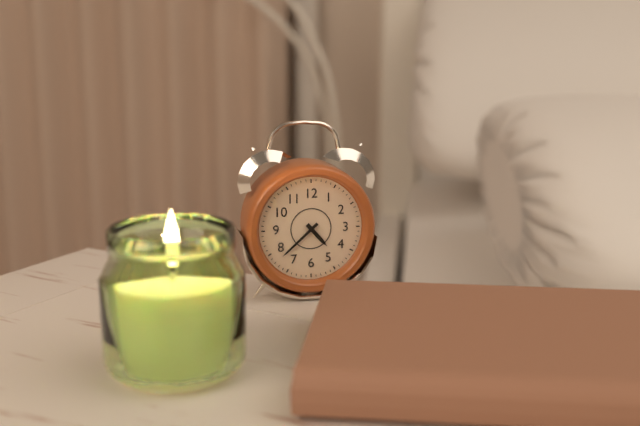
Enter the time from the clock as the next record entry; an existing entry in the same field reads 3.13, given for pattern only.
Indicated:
4.38
